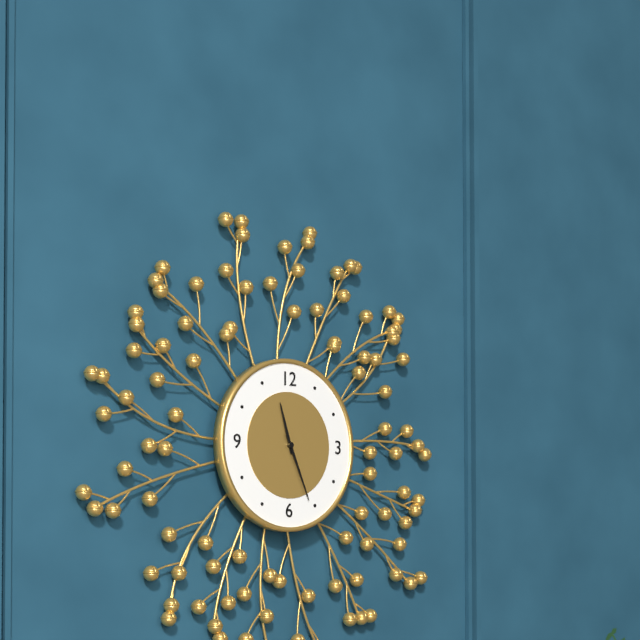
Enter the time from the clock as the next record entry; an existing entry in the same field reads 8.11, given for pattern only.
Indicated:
11.26
